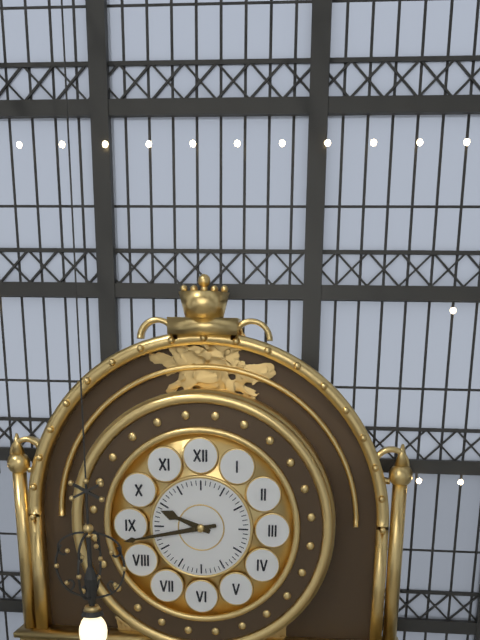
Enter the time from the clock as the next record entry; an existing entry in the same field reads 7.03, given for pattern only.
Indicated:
9.43
